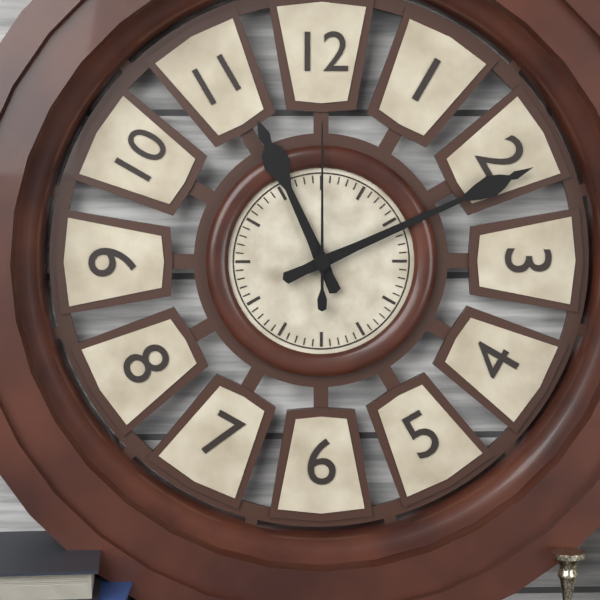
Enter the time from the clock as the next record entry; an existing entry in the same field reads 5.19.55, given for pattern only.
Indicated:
11.11.00
